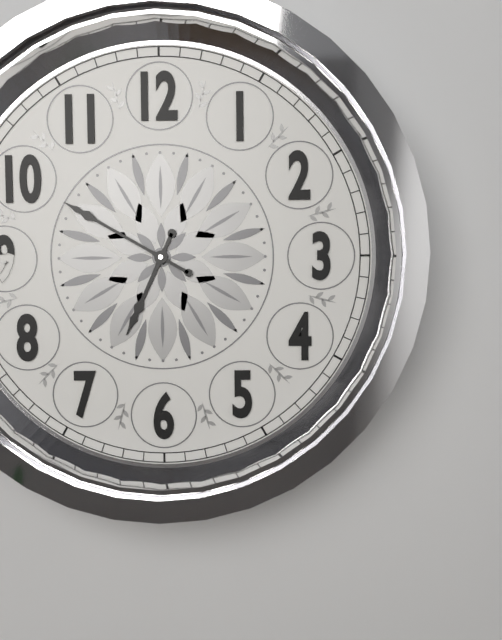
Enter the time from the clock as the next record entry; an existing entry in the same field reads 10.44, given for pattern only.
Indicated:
6.50
